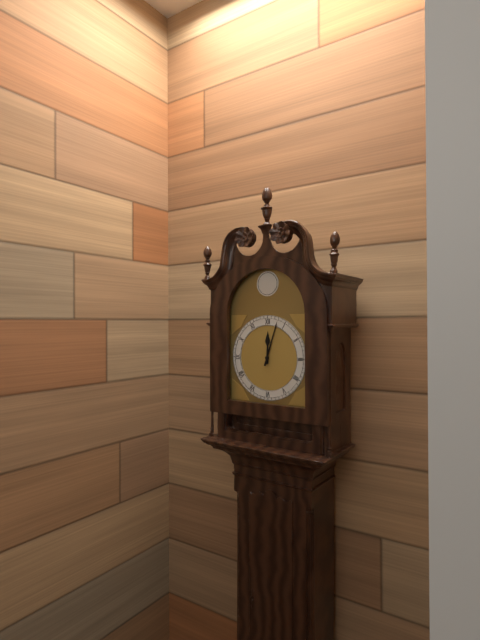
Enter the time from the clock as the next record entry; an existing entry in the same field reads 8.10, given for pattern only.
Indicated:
12.03
